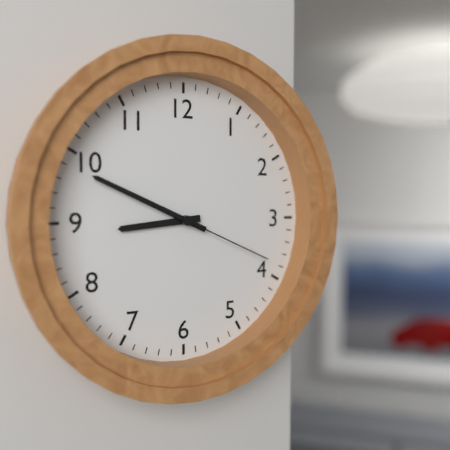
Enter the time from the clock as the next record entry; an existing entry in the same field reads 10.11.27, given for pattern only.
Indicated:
8.49.19
